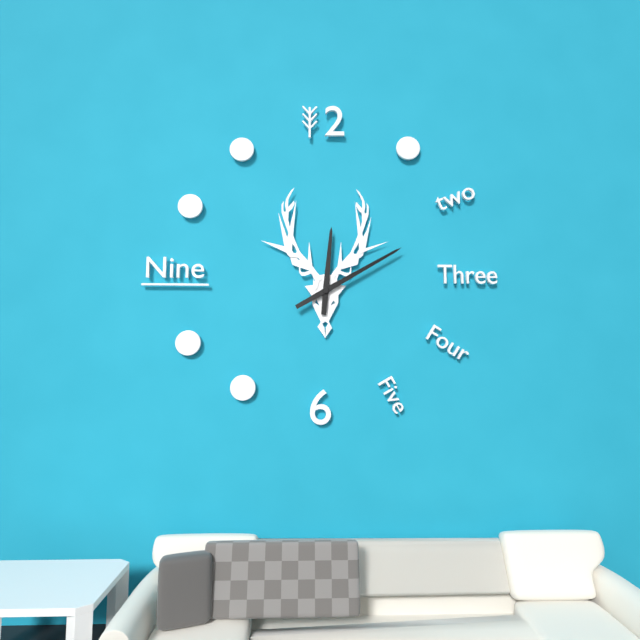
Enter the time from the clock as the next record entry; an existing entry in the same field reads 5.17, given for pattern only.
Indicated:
12.10
